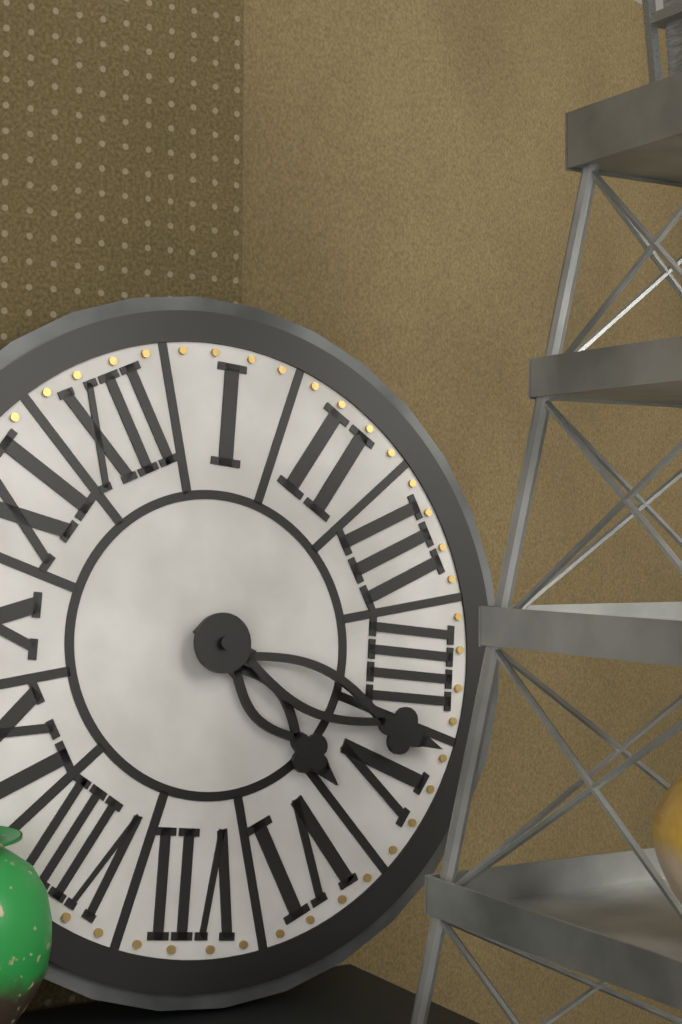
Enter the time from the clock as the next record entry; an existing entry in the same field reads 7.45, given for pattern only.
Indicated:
5.23
